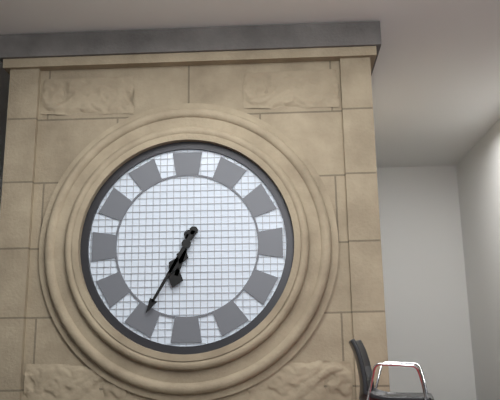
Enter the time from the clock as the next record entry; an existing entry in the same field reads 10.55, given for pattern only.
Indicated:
6.35
